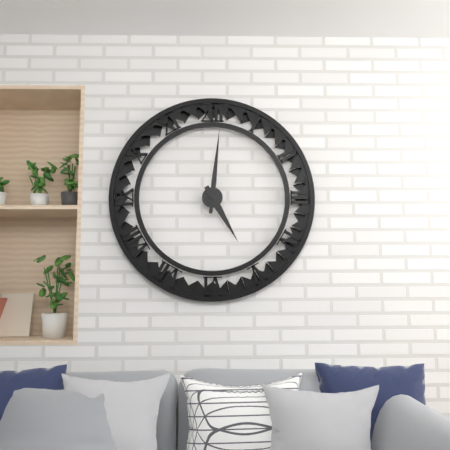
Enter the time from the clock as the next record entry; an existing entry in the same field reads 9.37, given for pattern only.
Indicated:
5.01
